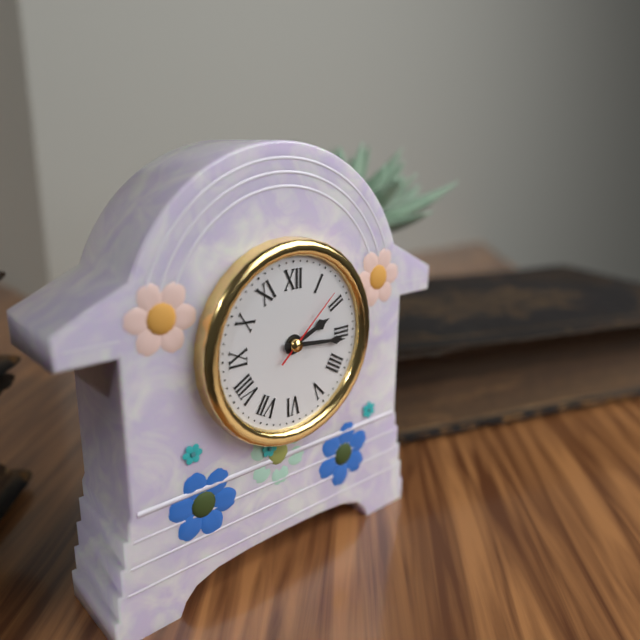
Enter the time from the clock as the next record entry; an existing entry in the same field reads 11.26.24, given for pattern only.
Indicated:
2.16.08
